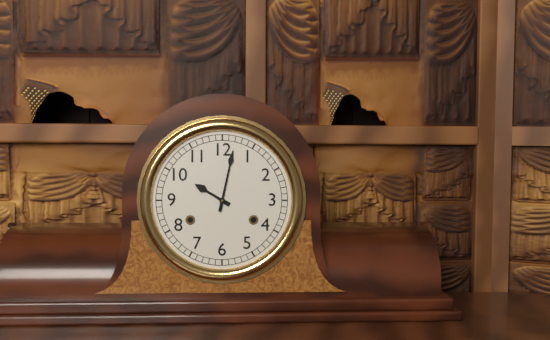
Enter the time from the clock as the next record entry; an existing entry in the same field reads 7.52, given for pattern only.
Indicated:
10.02
